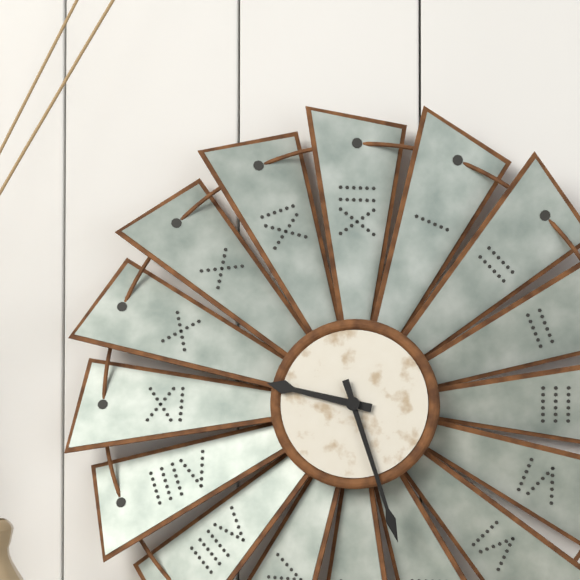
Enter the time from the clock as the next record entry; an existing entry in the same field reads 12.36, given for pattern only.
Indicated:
9.27
